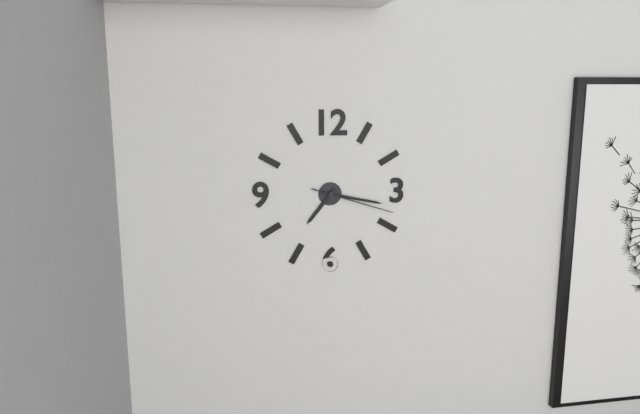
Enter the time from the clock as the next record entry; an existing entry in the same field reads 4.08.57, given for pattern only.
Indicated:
7.17.18
